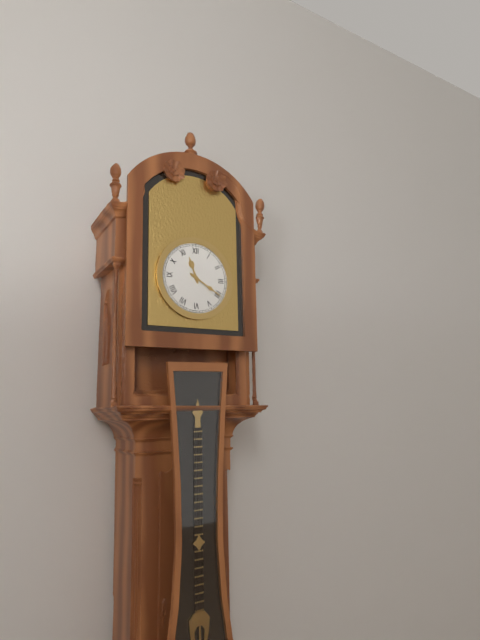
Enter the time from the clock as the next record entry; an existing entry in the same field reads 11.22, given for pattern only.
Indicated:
11.20
